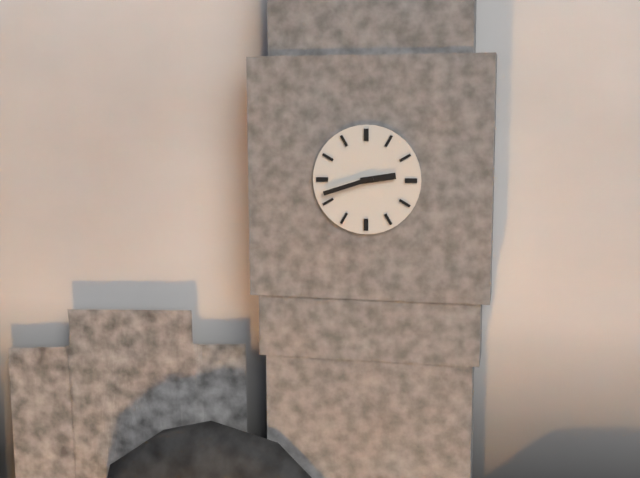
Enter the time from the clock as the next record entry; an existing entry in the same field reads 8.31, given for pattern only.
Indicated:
2.42
